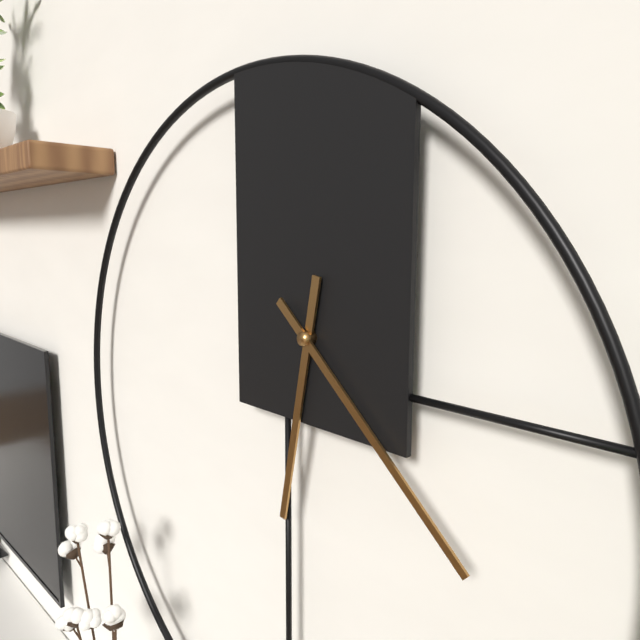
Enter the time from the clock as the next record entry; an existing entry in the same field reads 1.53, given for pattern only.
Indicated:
6.22
